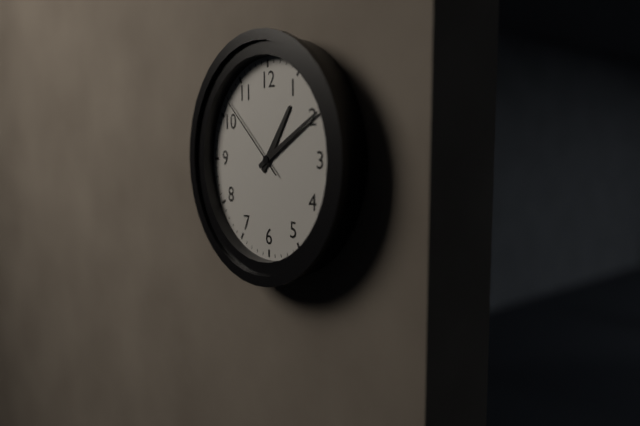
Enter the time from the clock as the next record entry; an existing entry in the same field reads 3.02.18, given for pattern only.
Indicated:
1.10.52
